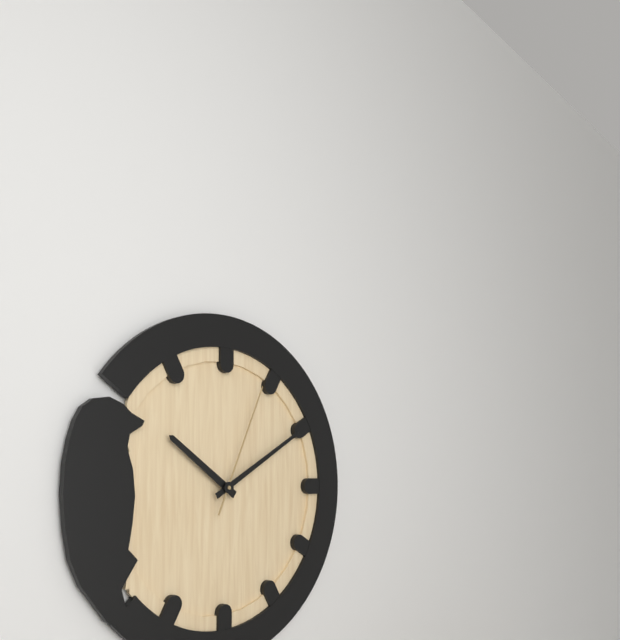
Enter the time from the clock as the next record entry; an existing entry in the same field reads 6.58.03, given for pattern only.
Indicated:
10.10.04
